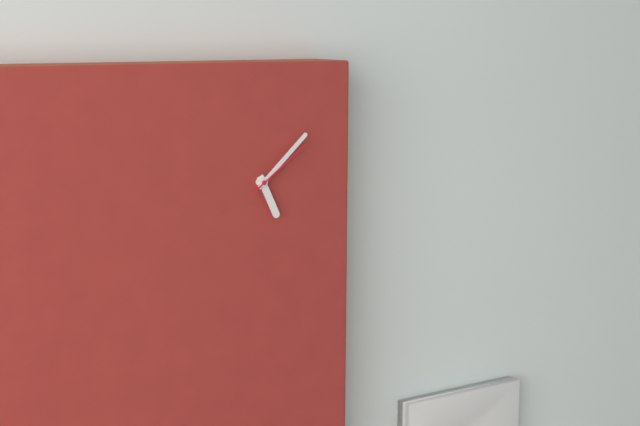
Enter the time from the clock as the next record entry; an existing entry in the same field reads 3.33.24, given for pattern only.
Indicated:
5.08.09
